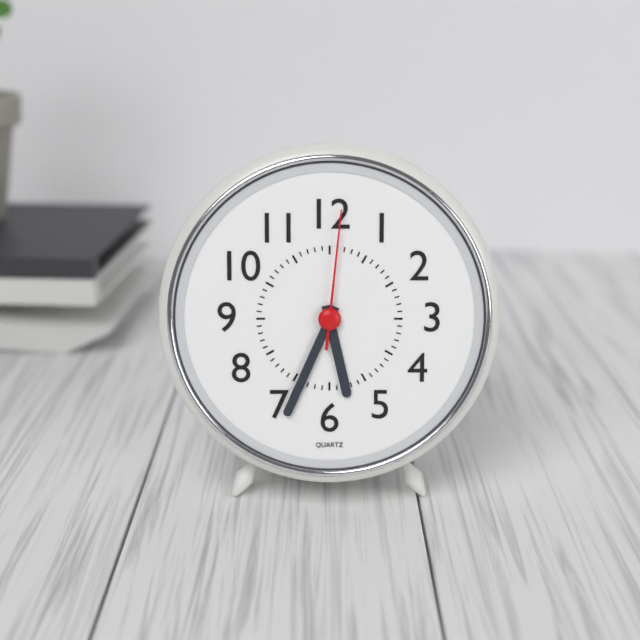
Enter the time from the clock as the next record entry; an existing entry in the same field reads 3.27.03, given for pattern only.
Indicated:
5.34.01
